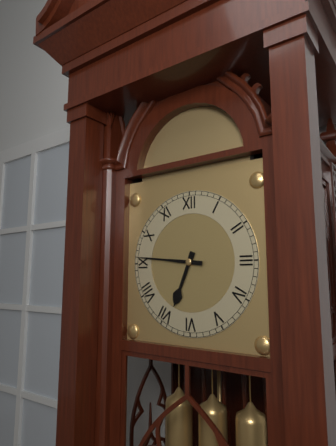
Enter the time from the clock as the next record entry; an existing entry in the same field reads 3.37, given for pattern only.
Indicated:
6.46
